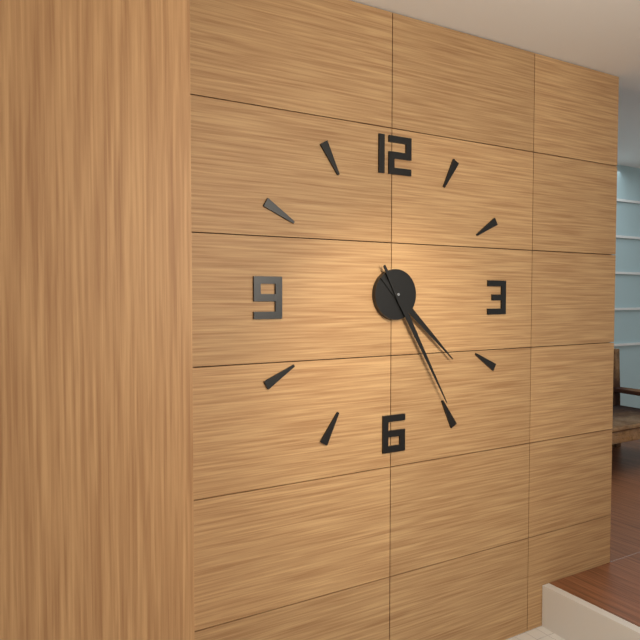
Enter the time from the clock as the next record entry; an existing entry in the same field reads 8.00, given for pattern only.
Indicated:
4.25
